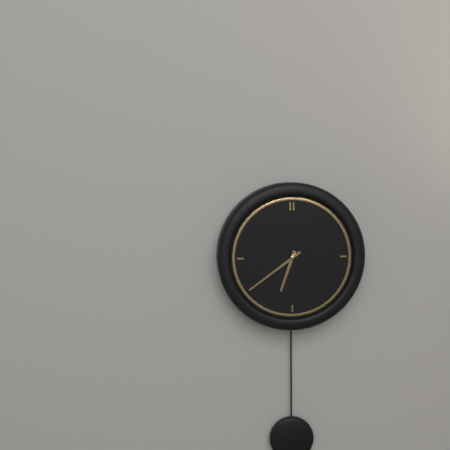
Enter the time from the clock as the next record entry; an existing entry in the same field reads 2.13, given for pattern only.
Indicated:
6.39
